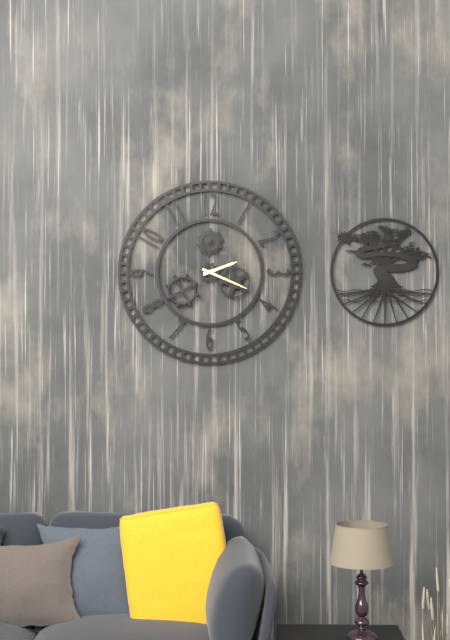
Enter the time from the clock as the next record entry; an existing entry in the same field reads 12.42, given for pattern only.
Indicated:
2.19
